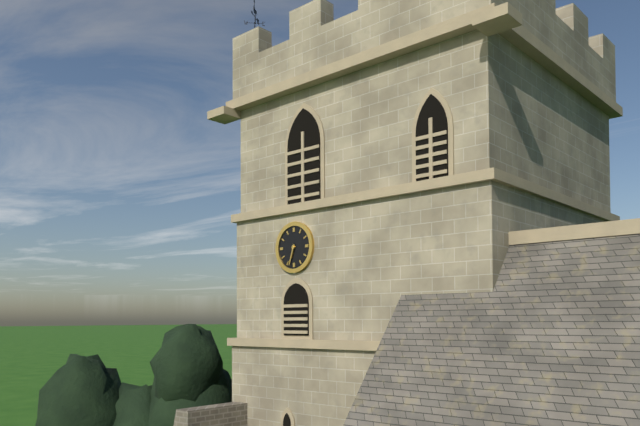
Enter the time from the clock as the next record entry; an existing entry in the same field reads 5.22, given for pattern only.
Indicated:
6.33
